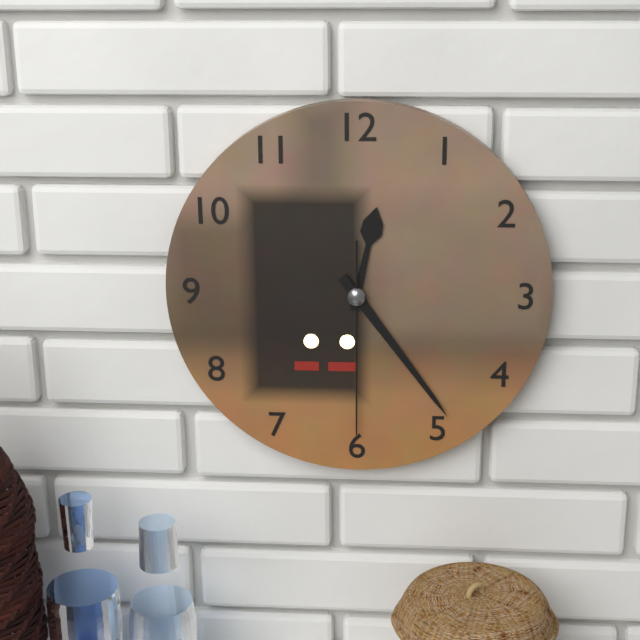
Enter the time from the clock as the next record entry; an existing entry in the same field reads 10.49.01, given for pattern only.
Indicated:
12.24.30
